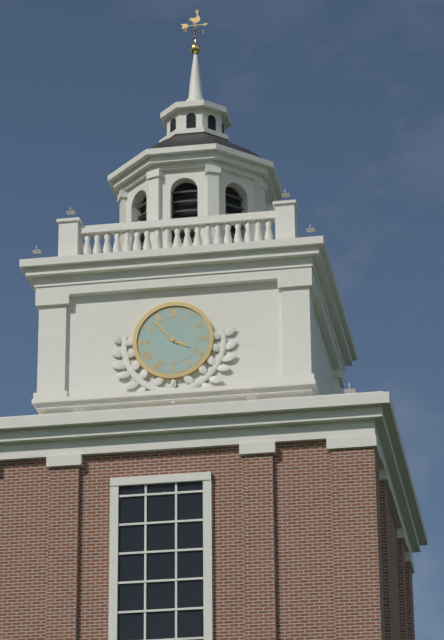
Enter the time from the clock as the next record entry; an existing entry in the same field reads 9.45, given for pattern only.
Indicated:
3.53
